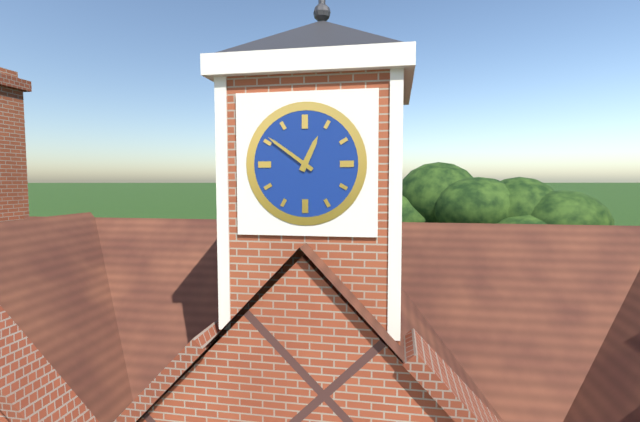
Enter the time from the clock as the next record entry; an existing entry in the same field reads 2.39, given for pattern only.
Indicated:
12.51
